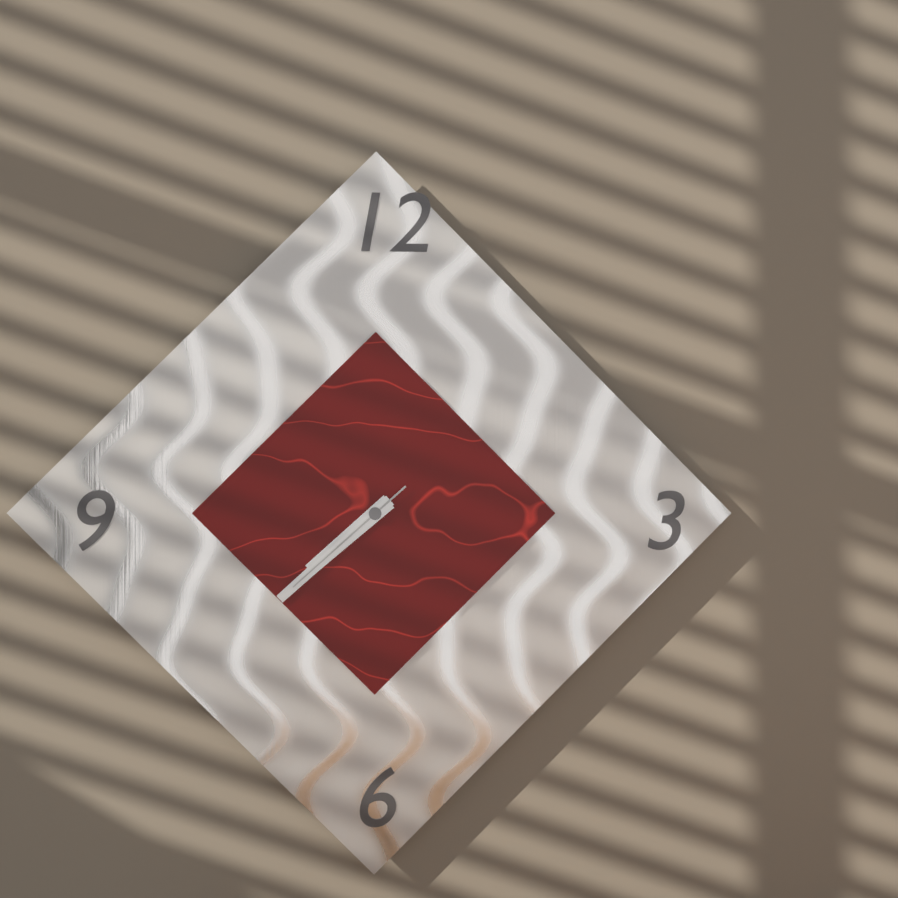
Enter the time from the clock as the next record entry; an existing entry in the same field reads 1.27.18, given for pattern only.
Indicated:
7.38.38
